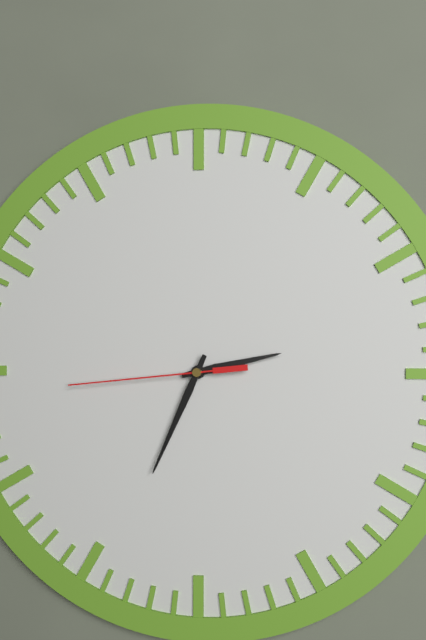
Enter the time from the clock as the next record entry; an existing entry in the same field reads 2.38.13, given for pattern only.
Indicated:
2.34.44
